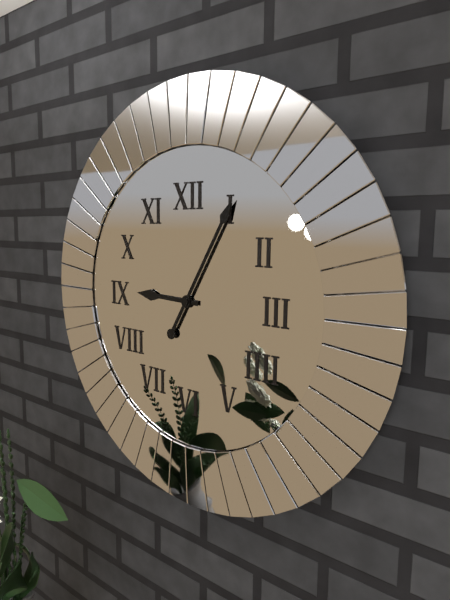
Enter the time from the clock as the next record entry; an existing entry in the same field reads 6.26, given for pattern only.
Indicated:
9.05
